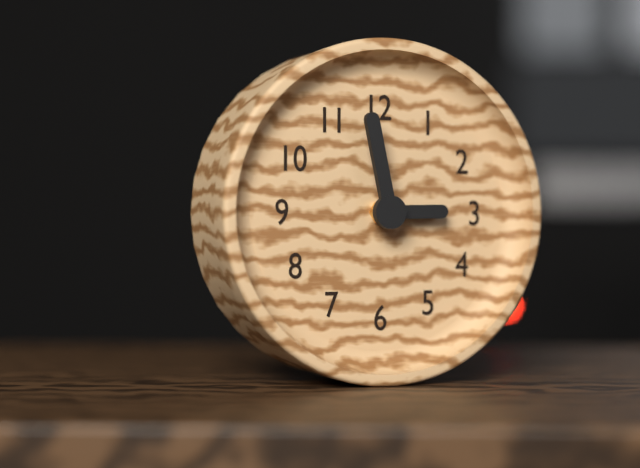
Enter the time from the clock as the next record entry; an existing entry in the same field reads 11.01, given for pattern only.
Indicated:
2.58
